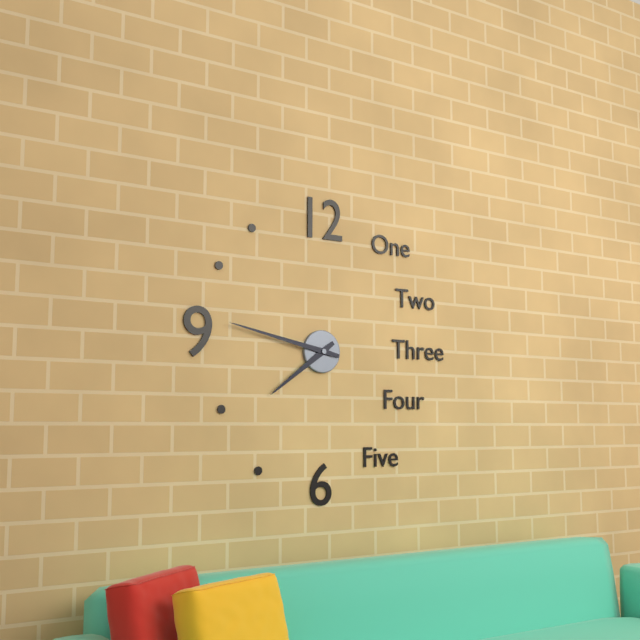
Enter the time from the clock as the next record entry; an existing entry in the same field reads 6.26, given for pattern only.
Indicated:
7.47
